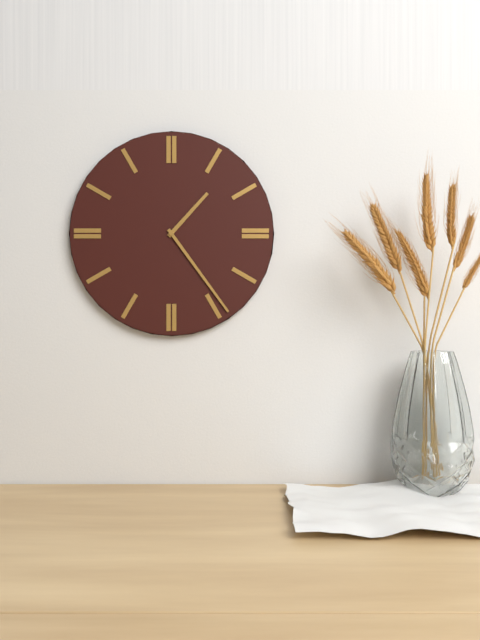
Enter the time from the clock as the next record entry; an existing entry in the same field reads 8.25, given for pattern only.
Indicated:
1.24
